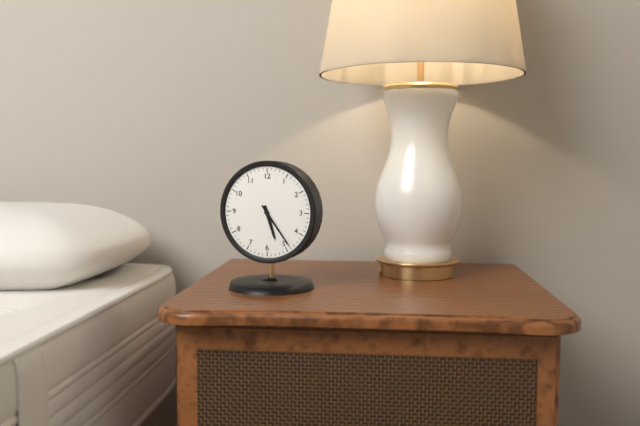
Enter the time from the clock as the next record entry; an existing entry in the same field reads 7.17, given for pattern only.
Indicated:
5.24
